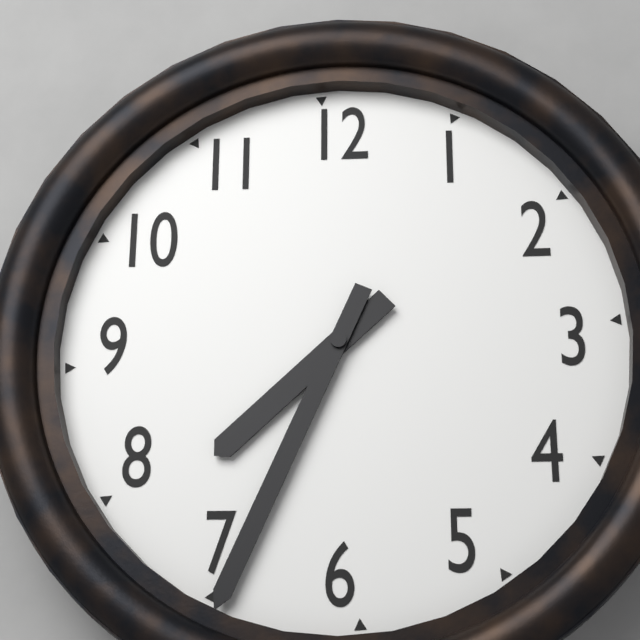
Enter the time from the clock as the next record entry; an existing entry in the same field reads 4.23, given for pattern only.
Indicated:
7.34
